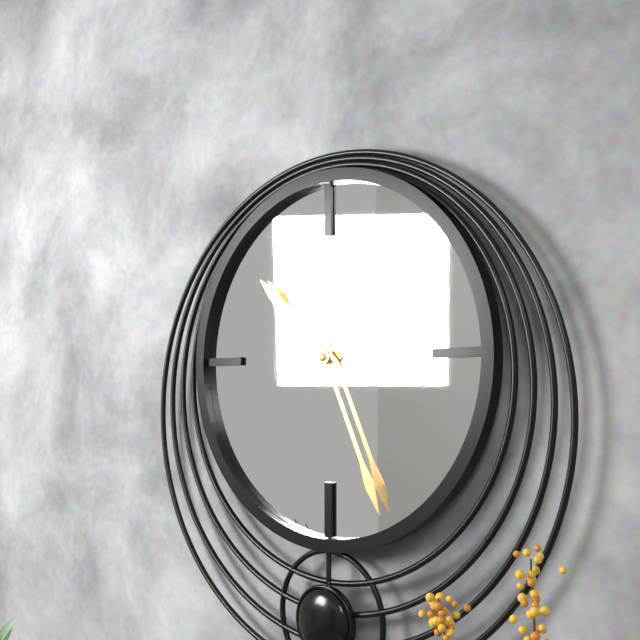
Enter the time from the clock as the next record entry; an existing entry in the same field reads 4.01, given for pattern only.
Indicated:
10.26
